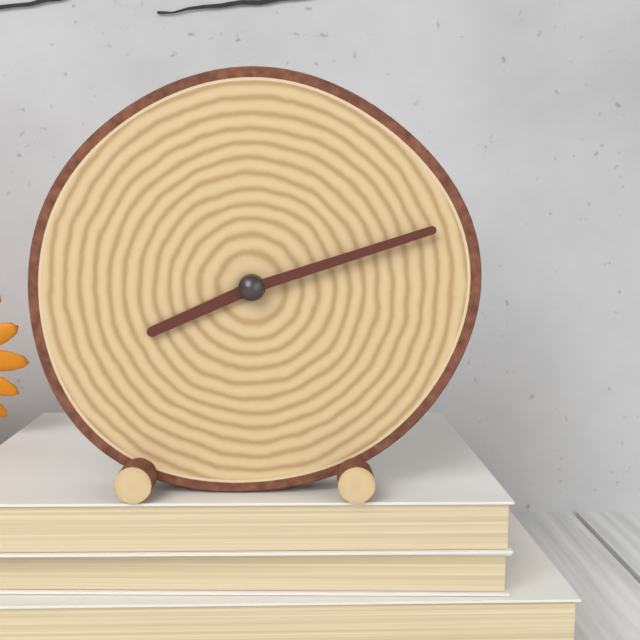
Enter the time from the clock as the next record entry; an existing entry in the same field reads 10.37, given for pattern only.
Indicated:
8.12
